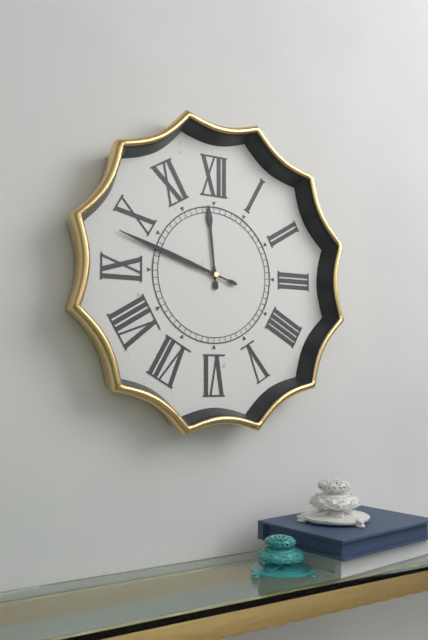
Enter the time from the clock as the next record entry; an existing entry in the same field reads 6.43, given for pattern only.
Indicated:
11.48
